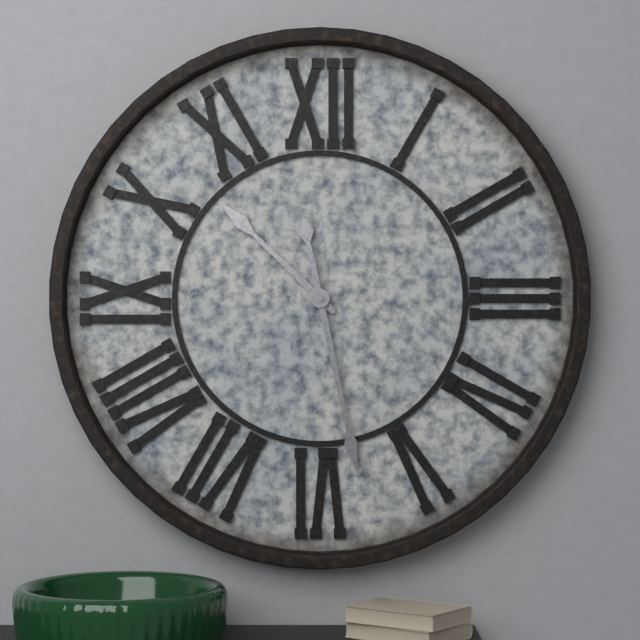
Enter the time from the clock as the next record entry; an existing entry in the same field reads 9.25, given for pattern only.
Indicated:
10.28
